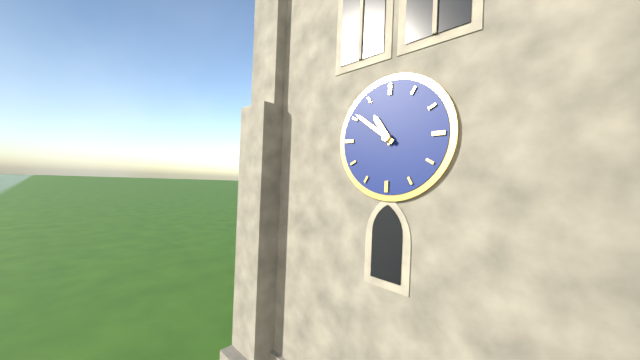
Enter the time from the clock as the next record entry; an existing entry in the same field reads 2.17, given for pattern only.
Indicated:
10.51
